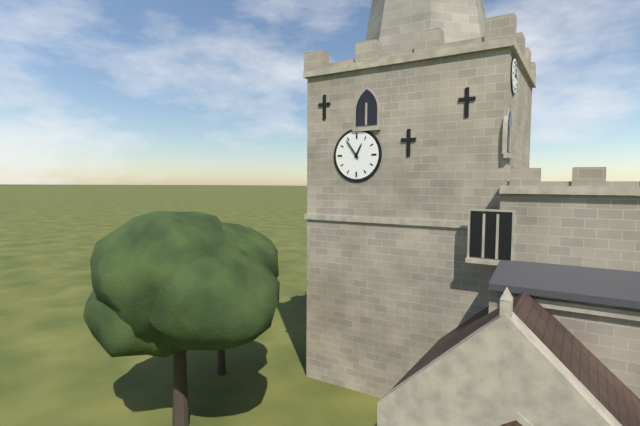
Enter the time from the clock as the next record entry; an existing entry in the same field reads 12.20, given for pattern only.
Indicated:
12.54
